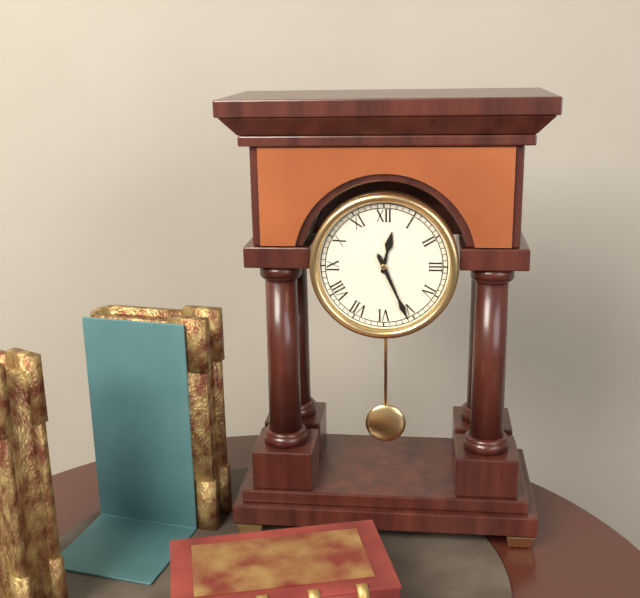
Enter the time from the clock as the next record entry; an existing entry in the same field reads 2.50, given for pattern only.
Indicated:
12.26
